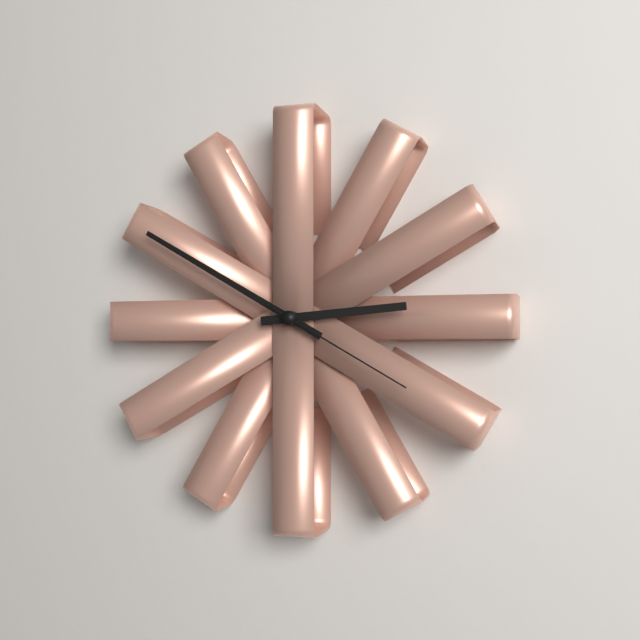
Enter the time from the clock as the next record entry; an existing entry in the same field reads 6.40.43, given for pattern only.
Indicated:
2.50.20
